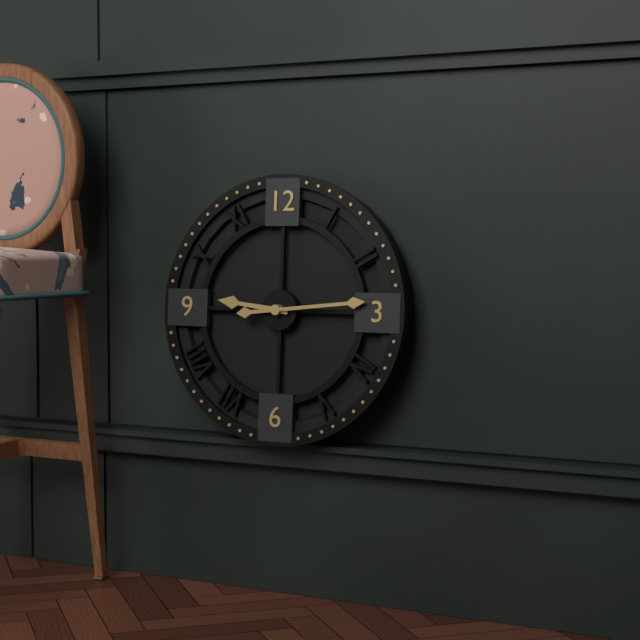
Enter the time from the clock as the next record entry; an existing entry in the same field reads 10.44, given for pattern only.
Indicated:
9.14
